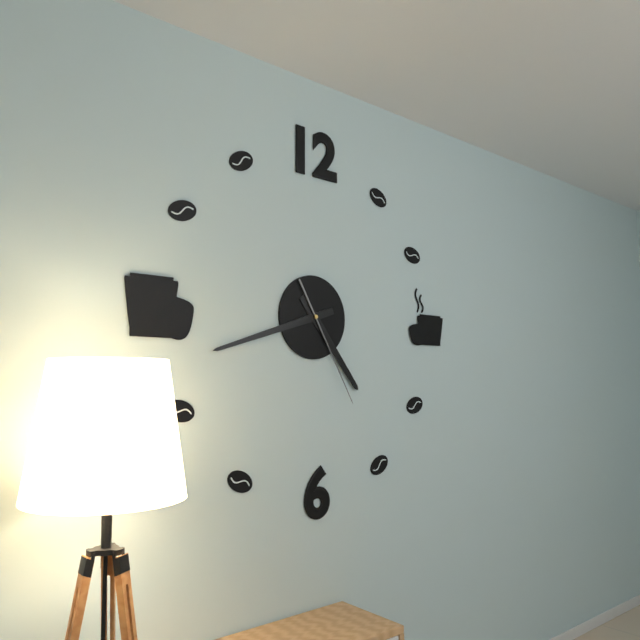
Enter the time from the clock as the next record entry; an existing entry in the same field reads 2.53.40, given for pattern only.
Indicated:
4.42.25
